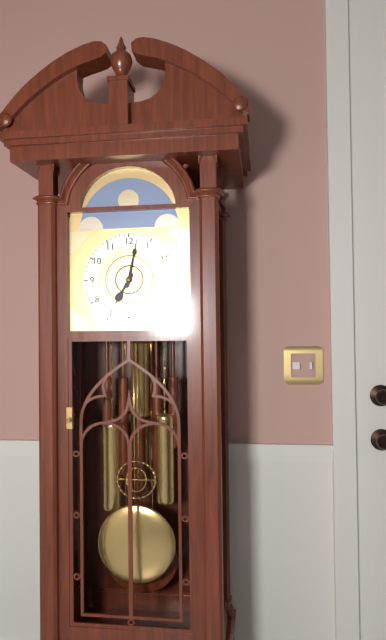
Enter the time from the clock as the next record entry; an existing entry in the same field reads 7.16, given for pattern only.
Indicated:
7.02
